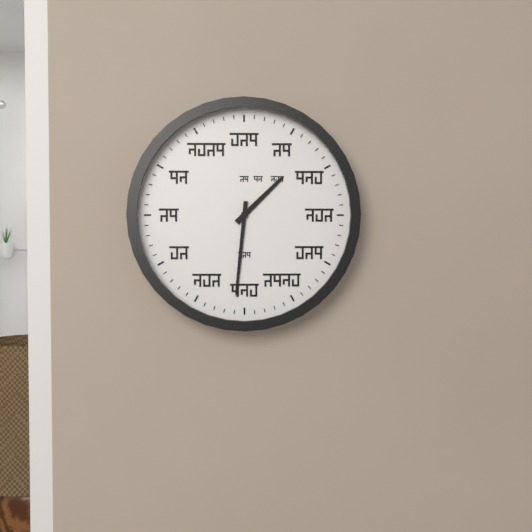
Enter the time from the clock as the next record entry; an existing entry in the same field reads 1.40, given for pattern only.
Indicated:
1.31
